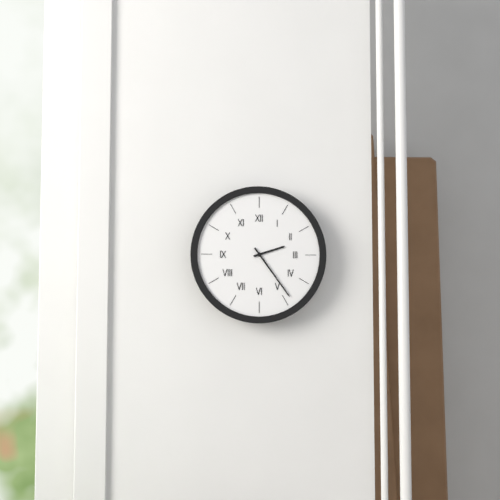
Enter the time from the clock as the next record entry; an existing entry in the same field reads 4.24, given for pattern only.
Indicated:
2.24
